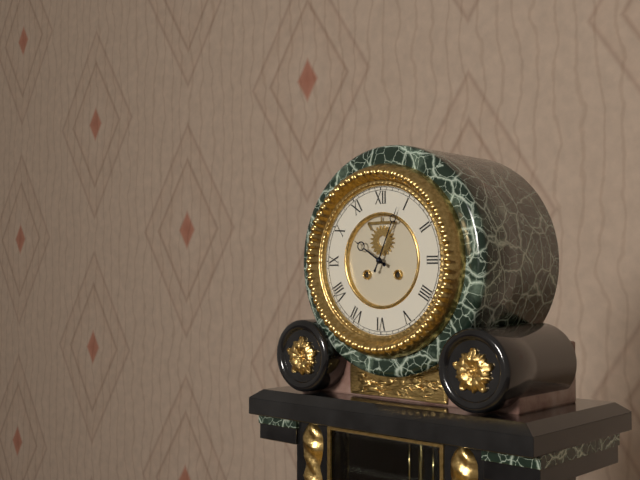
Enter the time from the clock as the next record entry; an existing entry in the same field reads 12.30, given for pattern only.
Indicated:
10.04
